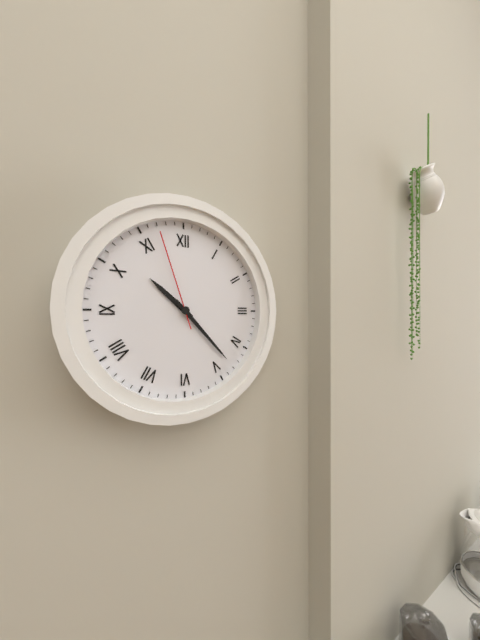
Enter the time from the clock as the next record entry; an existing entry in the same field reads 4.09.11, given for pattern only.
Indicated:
10.23.57
